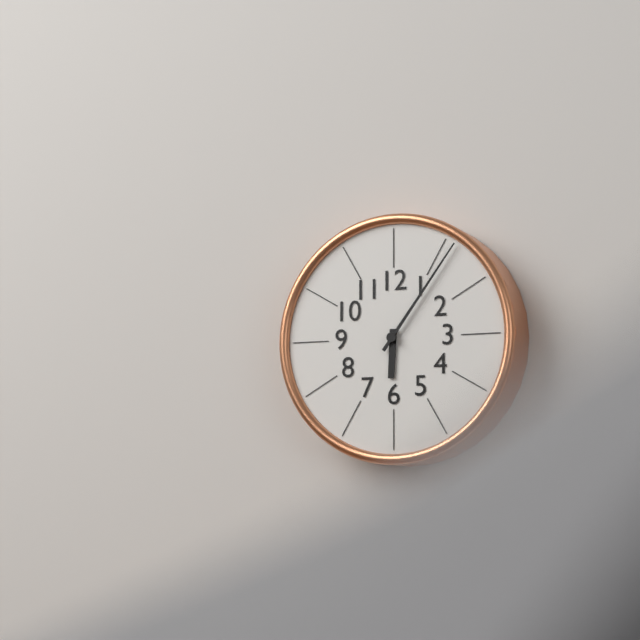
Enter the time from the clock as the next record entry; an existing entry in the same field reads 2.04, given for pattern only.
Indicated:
6.06
